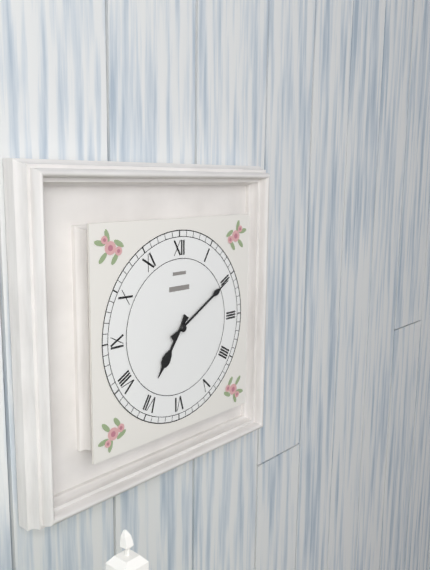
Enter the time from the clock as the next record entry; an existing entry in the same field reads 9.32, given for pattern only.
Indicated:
7.10
